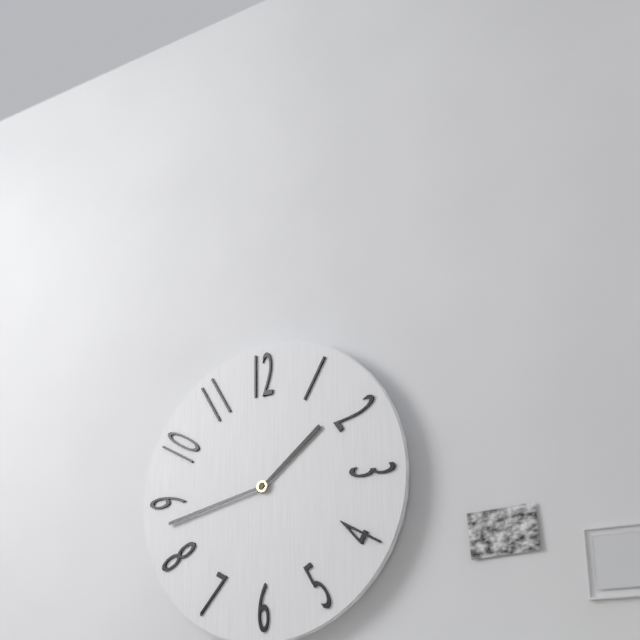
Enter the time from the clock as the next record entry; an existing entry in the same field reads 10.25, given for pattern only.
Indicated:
1.43
